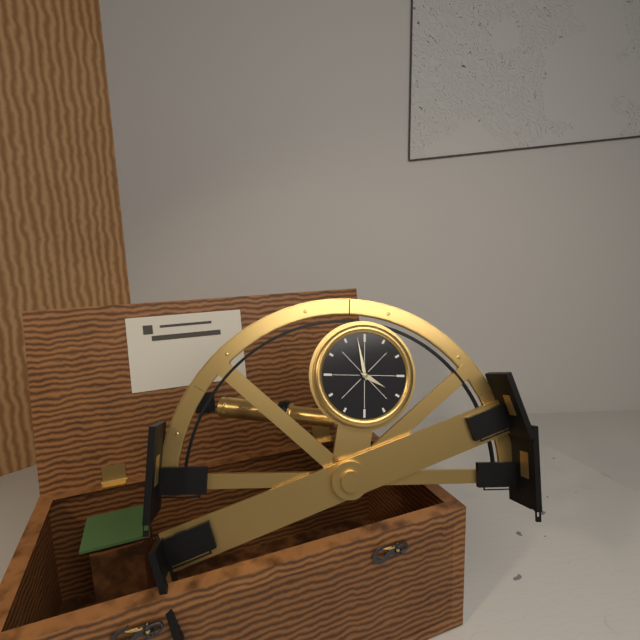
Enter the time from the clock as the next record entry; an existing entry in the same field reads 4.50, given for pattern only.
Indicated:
3.58
